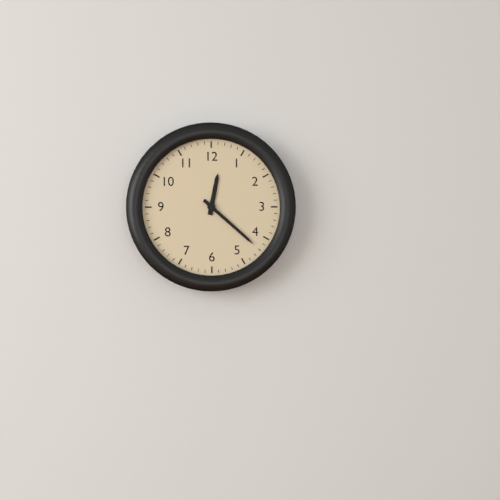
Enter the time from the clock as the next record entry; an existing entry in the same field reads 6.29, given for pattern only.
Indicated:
12.22
